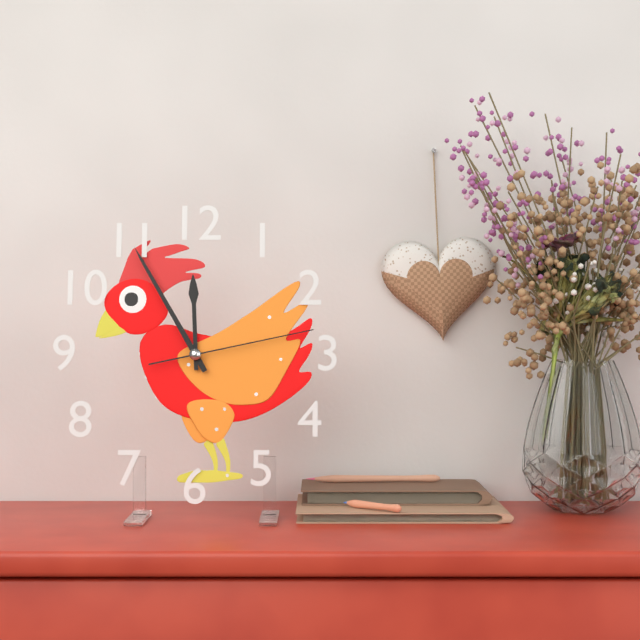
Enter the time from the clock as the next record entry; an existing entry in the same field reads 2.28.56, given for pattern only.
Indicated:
11.55.13
